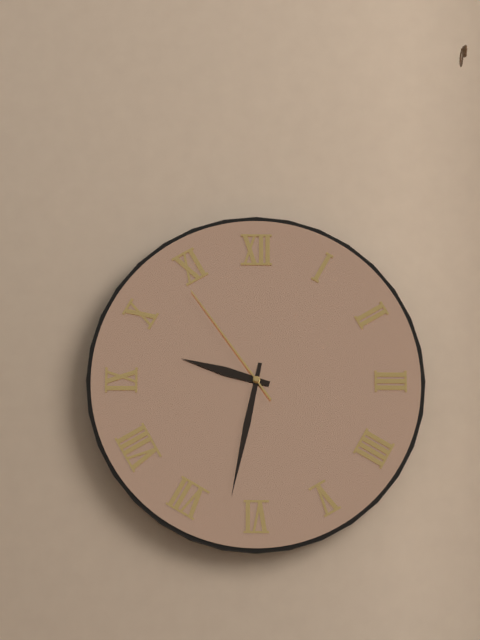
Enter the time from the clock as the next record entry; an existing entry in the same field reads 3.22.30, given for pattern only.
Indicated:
9.32.54
